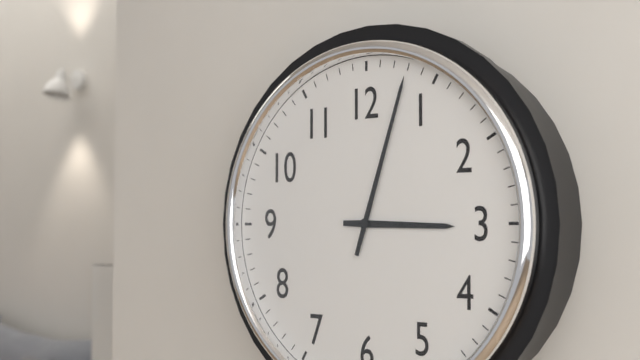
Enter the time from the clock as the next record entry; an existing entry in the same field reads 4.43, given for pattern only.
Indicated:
3.03
